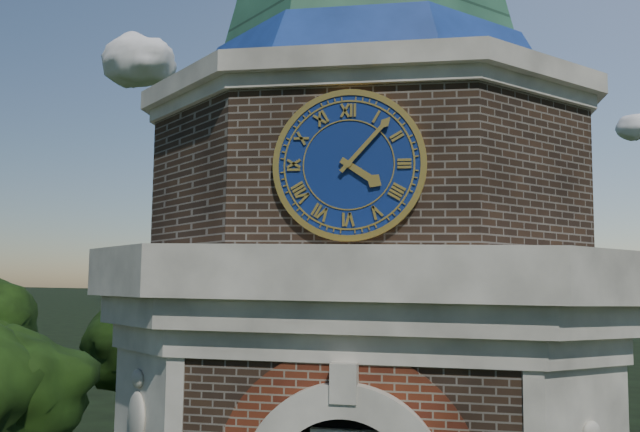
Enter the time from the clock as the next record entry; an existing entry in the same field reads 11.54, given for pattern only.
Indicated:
4.07
